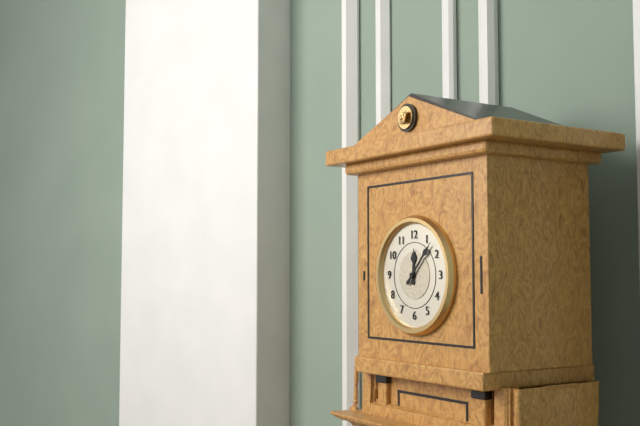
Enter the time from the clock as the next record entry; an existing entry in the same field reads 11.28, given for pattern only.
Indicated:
12.07
